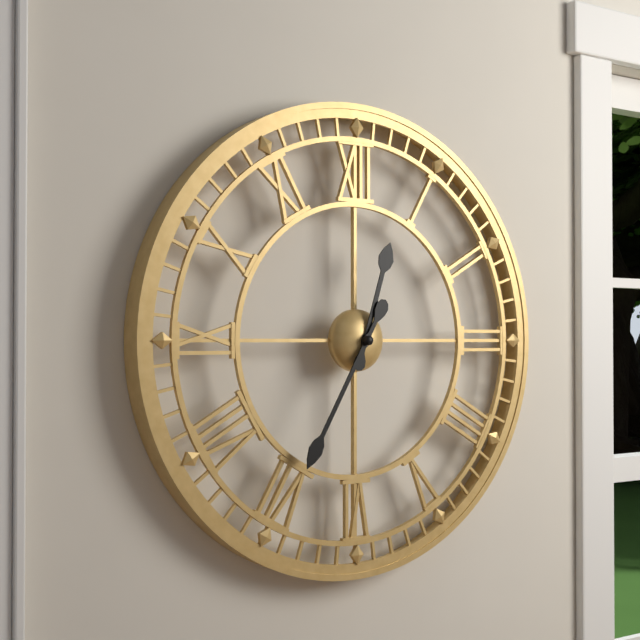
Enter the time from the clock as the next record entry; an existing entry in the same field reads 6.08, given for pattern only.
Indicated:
12.35
